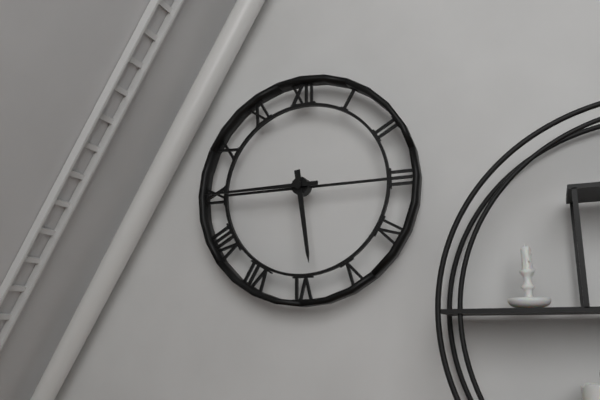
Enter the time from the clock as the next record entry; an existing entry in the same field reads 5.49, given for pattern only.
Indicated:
5.45
